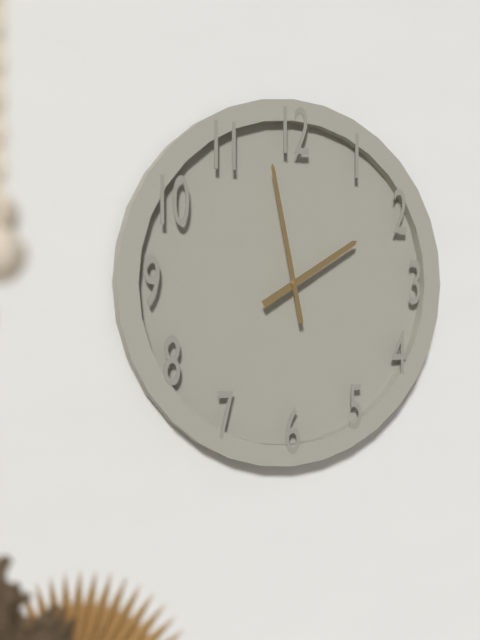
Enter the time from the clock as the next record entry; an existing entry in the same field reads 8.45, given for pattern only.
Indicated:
1.58
